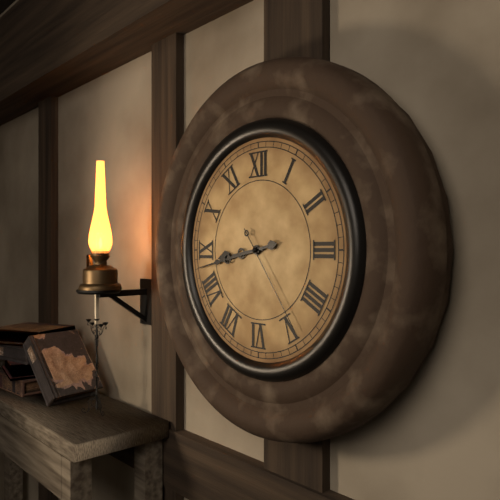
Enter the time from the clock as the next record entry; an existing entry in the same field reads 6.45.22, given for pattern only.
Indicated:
8.43.24
